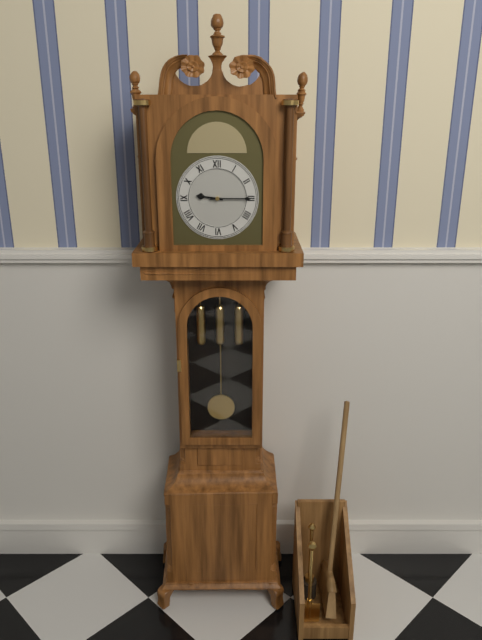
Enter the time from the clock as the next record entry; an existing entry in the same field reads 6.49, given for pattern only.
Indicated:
9.15
